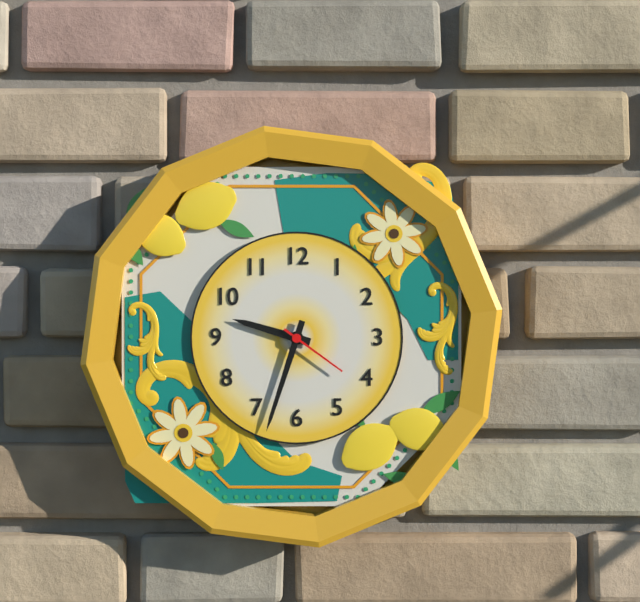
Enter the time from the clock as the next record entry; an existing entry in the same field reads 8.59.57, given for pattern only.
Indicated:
9.33.21
